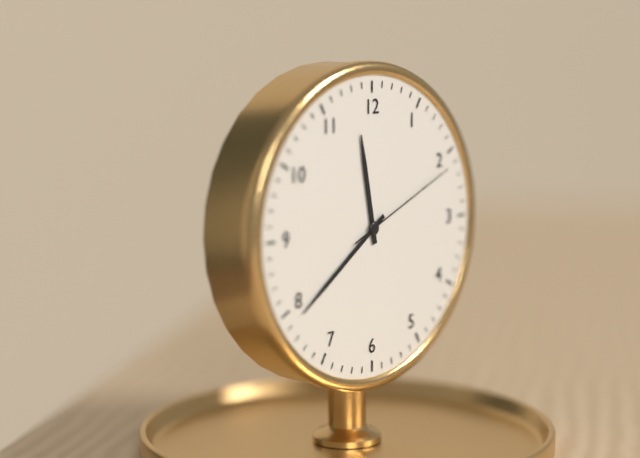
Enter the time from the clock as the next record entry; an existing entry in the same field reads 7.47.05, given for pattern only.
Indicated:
11.39.11
